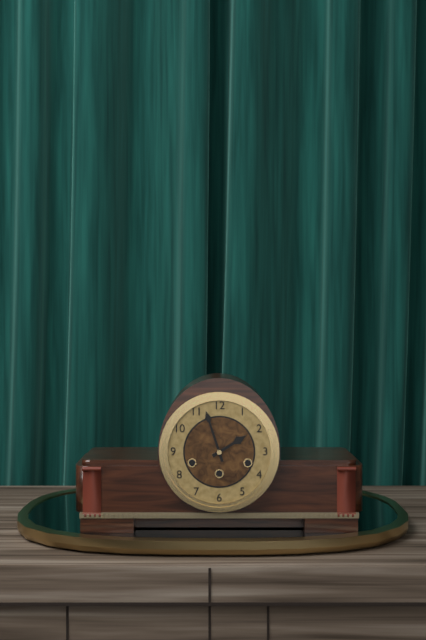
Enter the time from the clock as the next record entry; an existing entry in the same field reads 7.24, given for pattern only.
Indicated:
1.57
